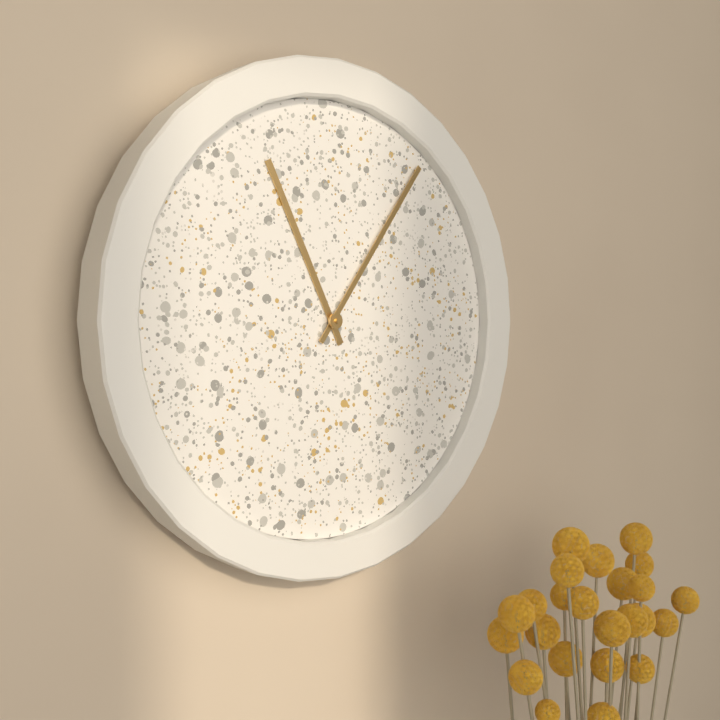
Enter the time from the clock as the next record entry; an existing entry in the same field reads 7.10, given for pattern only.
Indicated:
11.06
